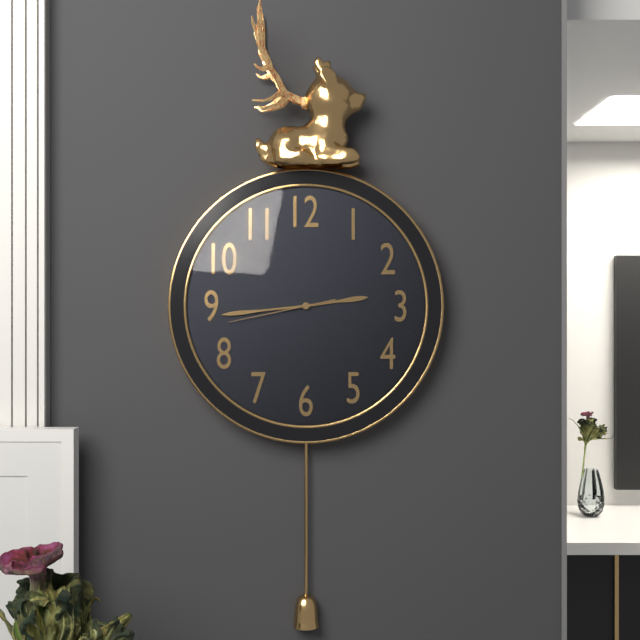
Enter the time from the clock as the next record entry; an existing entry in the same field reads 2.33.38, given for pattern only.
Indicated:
2.44.43
